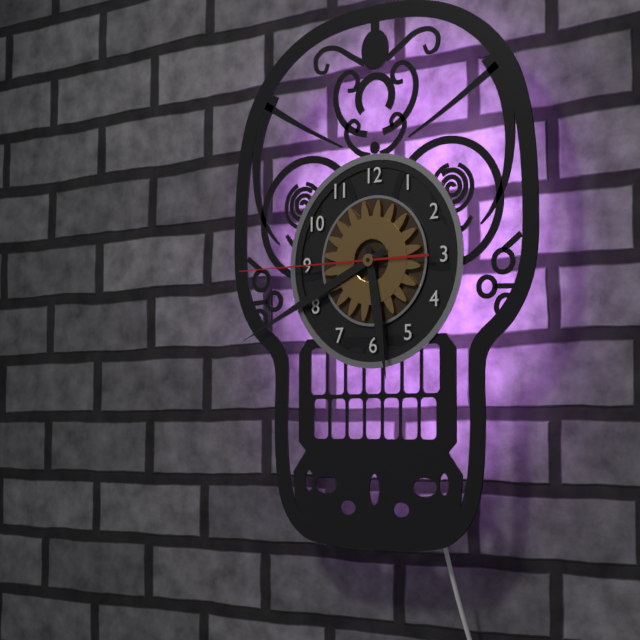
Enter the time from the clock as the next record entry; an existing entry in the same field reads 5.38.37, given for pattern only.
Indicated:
5.41.45
